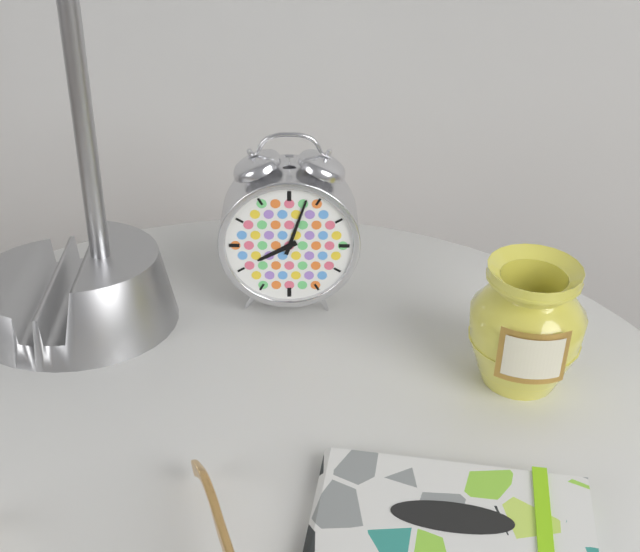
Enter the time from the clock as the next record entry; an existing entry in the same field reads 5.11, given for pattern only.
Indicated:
8.03
